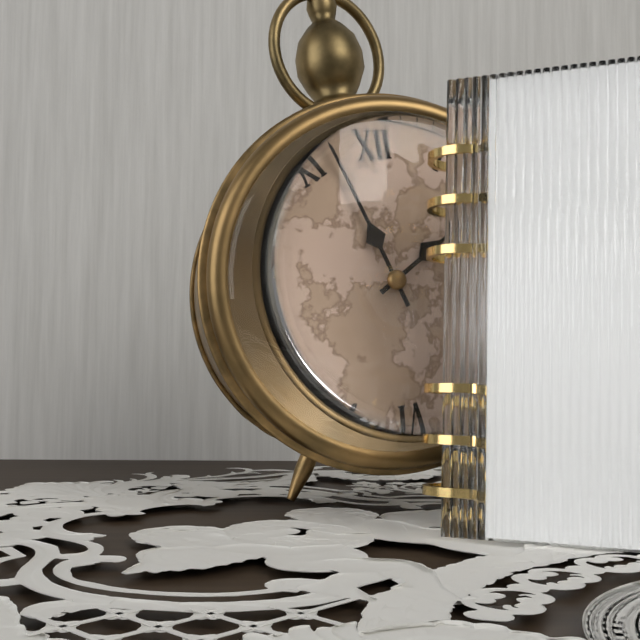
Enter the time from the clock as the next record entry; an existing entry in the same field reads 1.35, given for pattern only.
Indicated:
1.57
